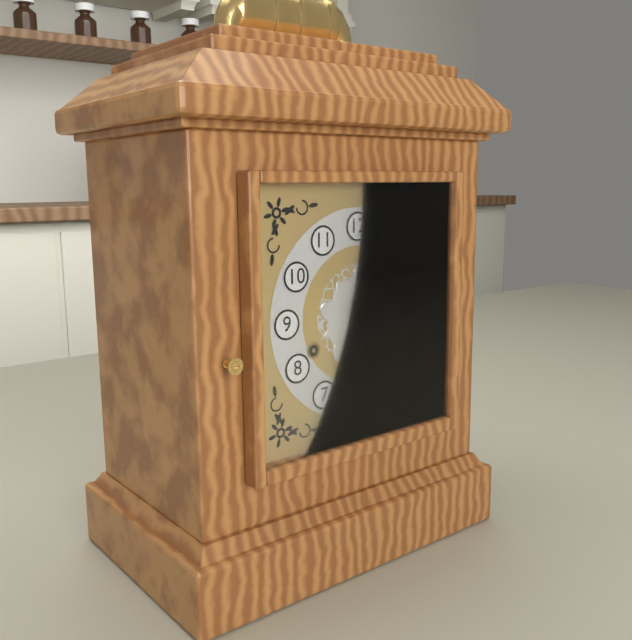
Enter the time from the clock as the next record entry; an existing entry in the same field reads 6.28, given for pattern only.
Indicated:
6.25
